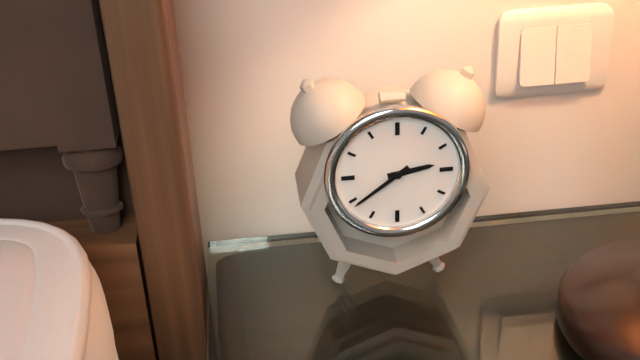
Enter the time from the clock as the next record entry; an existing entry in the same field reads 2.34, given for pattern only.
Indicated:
2.39
